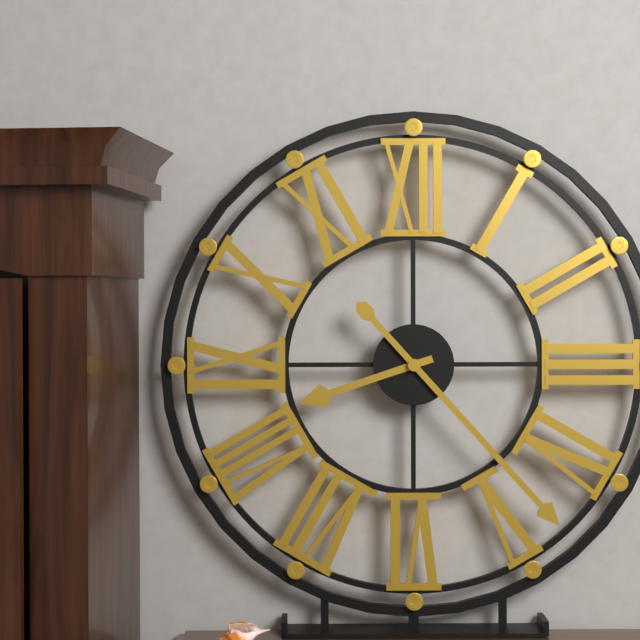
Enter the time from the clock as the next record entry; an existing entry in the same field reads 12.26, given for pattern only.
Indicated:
8.23
